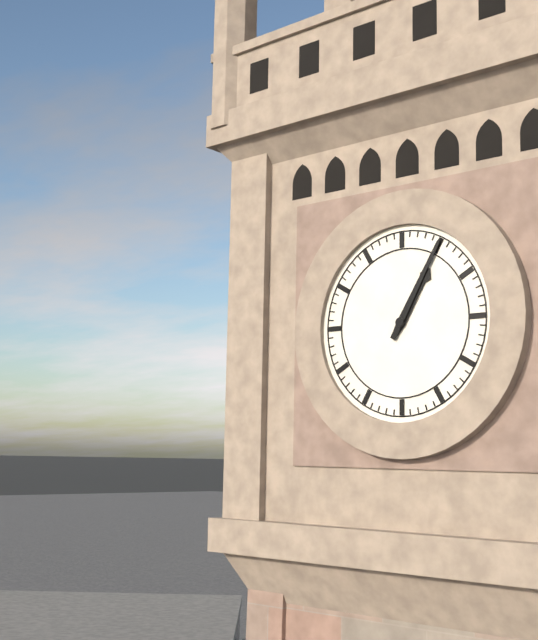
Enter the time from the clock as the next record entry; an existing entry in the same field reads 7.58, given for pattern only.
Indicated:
1.05
